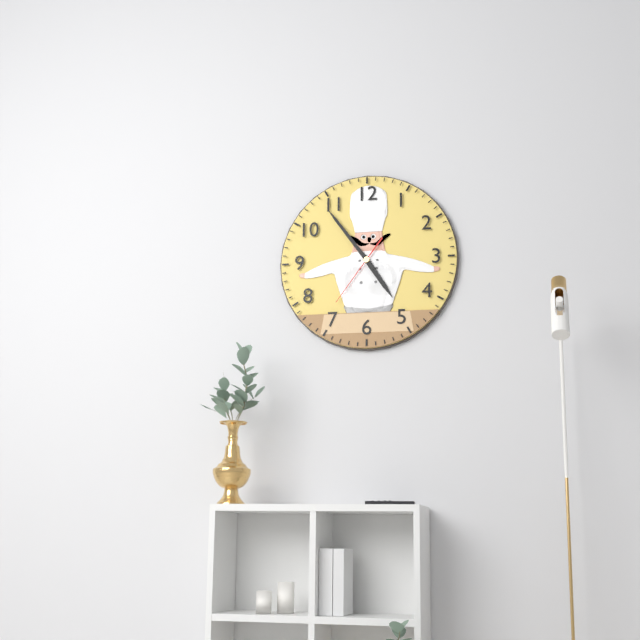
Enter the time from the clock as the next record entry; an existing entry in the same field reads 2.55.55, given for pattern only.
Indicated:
4.54.36
